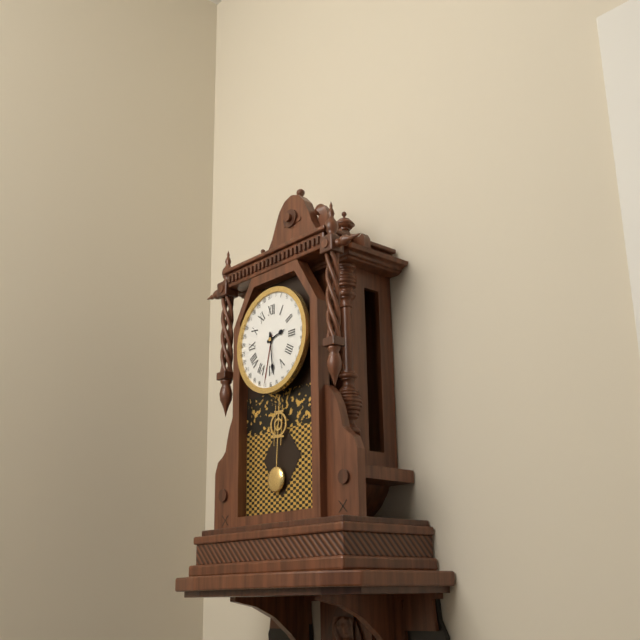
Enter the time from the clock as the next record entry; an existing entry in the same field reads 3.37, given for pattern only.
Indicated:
2.29
